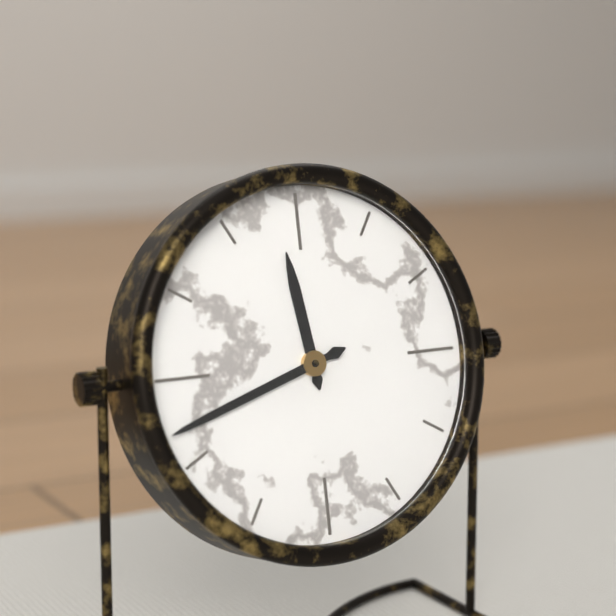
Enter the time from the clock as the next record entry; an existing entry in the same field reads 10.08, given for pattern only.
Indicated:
11.42
